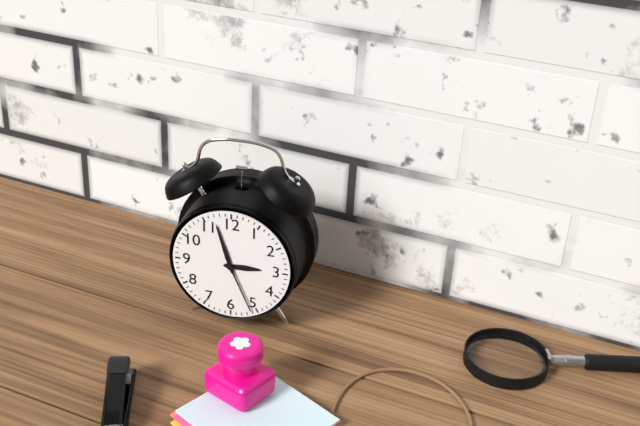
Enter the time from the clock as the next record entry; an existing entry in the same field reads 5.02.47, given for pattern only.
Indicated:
2.57.26
